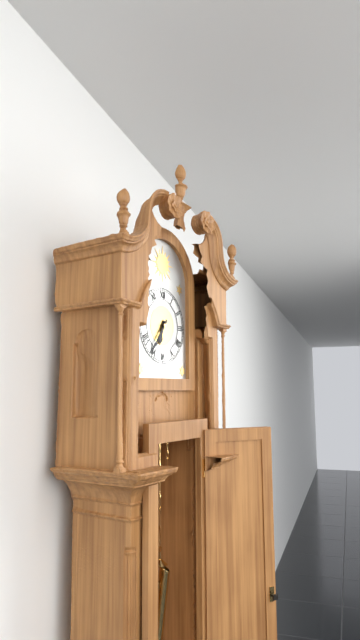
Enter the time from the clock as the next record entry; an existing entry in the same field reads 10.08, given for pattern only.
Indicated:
6.36
